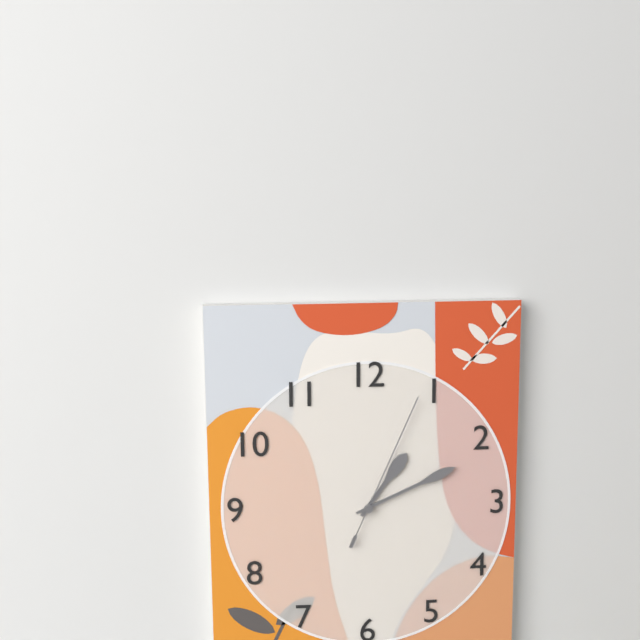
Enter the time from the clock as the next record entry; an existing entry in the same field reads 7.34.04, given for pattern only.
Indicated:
1.11.04
